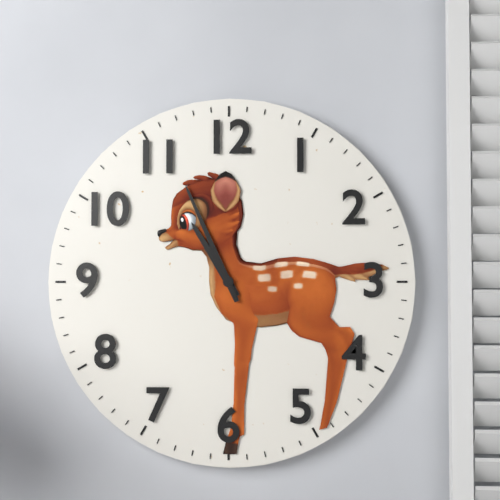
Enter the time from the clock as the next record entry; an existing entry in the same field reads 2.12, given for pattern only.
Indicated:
10.56
